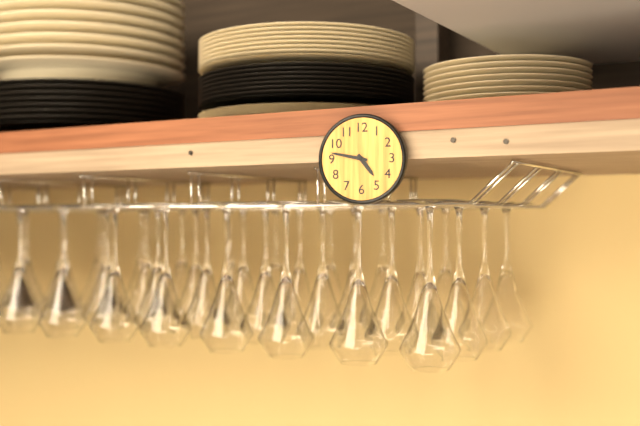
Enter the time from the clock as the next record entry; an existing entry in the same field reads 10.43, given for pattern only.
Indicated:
4.47
